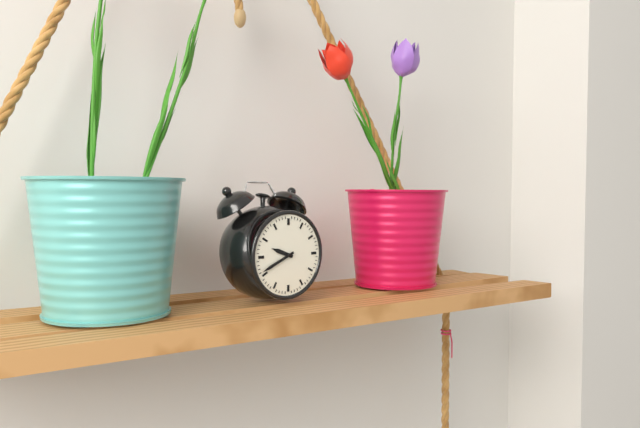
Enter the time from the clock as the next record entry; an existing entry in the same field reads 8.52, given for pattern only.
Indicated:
9.41
